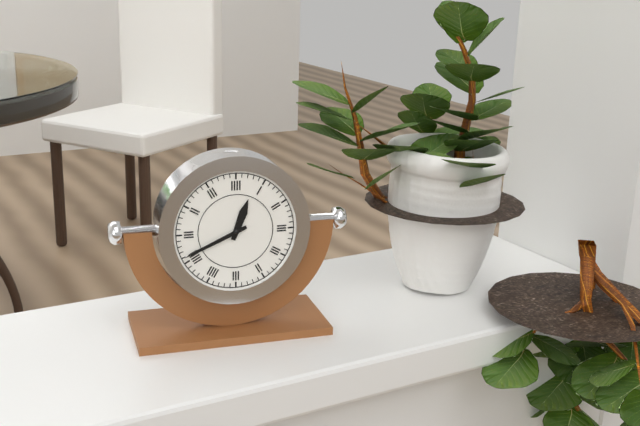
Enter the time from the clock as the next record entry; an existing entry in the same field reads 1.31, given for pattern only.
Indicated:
12.41
